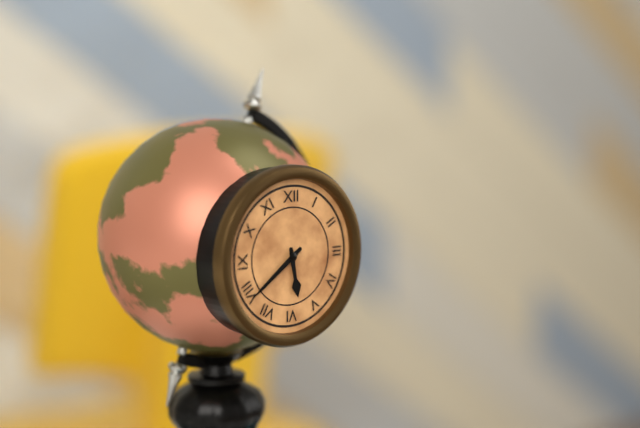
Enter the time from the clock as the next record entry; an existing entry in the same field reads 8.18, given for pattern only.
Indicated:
5.39
